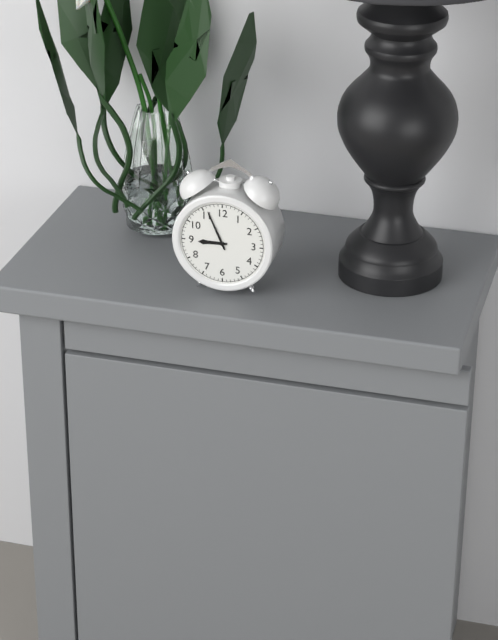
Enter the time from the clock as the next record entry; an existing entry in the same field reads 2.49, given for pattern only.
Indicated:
8.56
